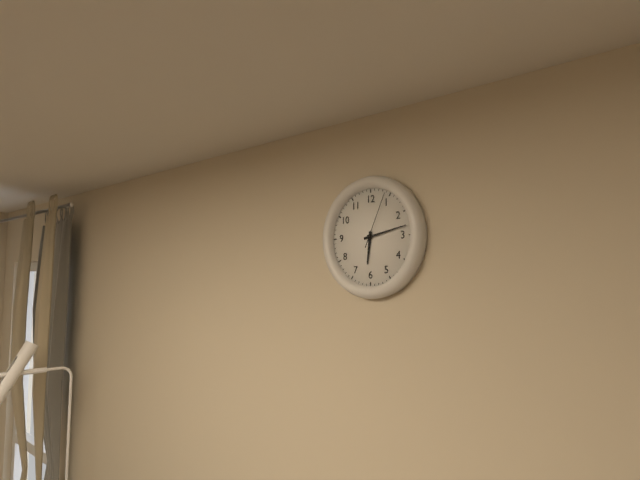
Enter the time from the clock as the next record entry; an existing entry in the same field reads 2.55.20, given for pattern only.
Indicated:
6.13.04
